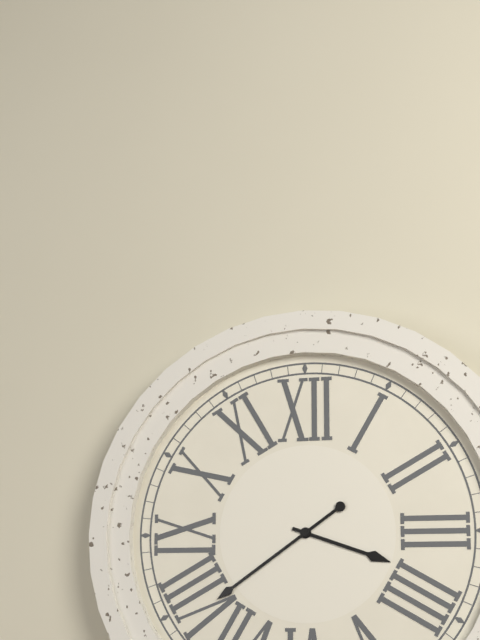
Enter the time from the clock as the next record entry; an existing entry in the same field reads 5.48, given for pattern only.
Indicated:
3.39
